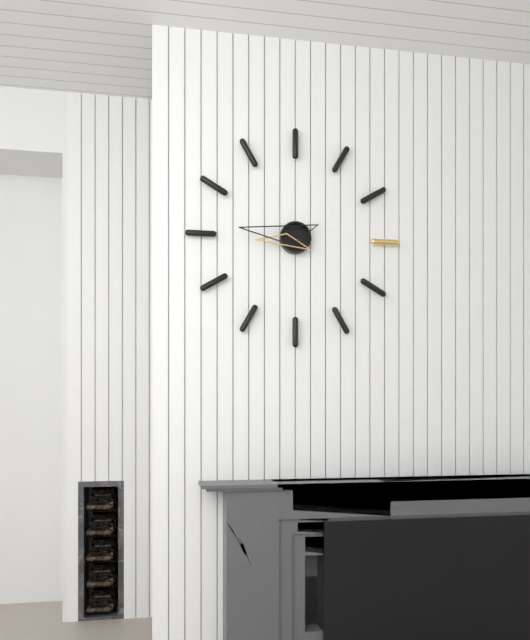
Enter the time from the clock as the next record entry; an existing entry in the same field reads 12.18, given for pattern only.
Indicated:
8.46
